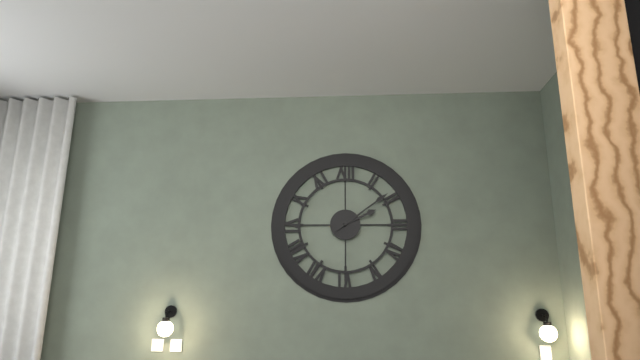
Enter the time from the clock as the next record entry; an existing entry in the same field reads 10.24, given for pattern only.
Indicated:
2.09
